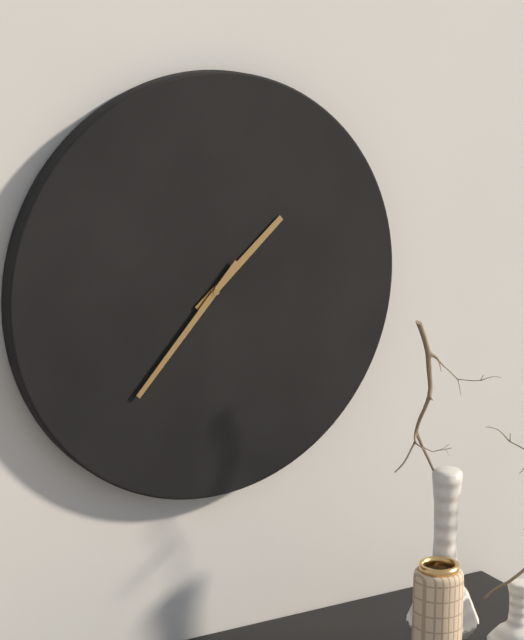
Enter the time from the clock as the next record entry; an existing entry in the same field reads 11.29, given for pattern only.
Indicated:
1.37
